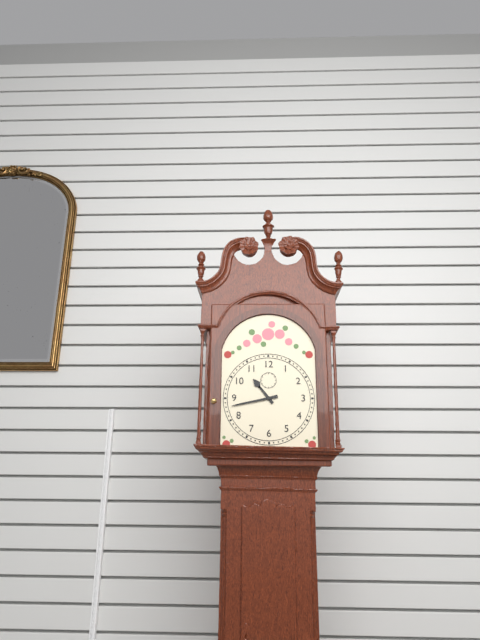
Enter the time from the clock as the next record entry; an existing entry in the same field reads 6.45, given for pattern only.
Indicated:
10.43
